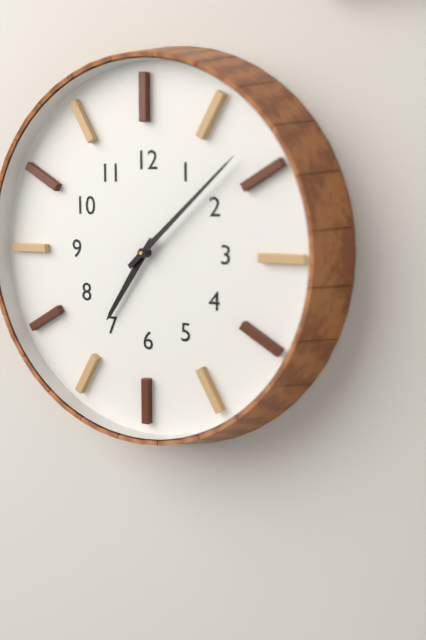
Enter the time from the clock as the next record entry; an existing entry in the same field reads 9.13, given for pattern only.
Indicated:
7.08
